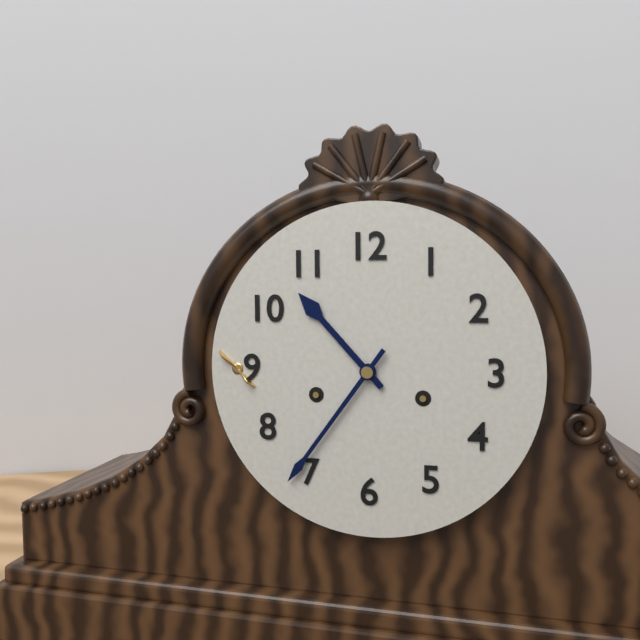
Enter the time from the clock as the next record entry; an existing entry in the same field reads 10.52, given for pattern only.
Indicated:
10.36
